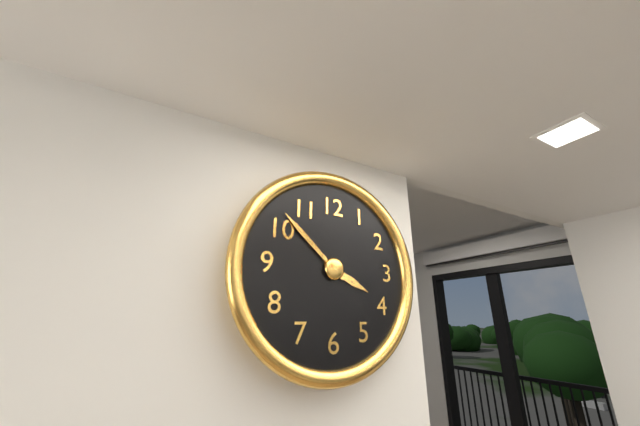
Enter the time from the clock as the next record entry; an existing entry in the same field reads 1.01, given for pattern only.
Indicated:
3.52
